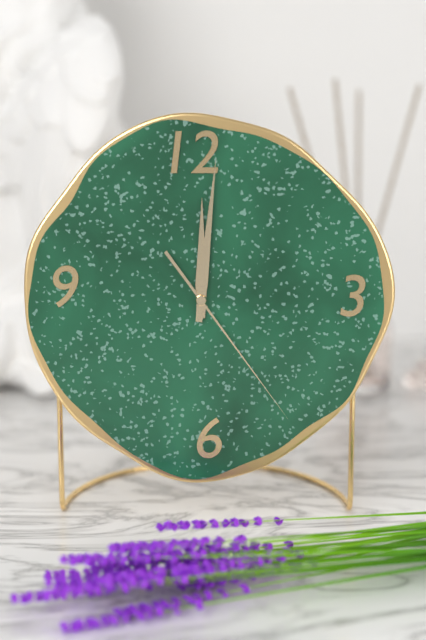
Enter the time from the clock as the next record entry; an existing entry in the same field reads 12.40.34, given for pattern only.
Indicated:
12.01.24
